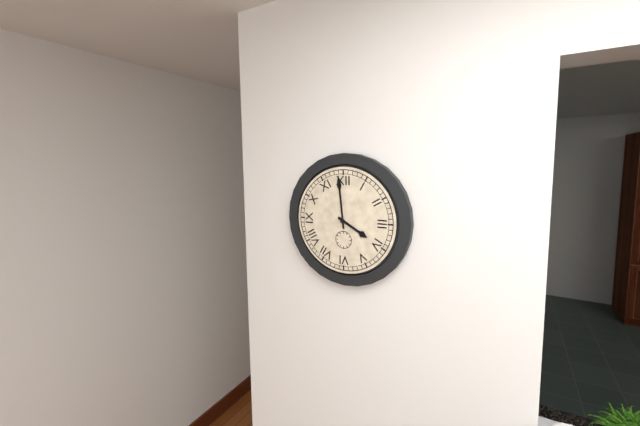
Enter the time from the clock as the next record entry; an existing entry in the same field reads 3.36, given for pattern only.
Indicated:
3.59
